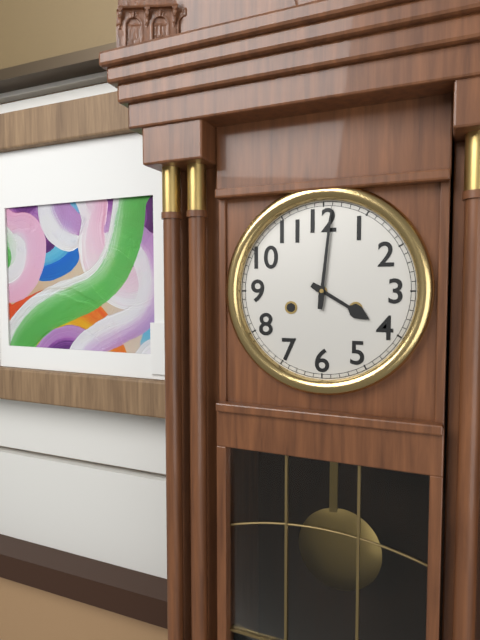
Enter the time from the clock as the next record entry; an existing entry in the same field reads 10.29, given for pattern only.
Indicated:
4.01
